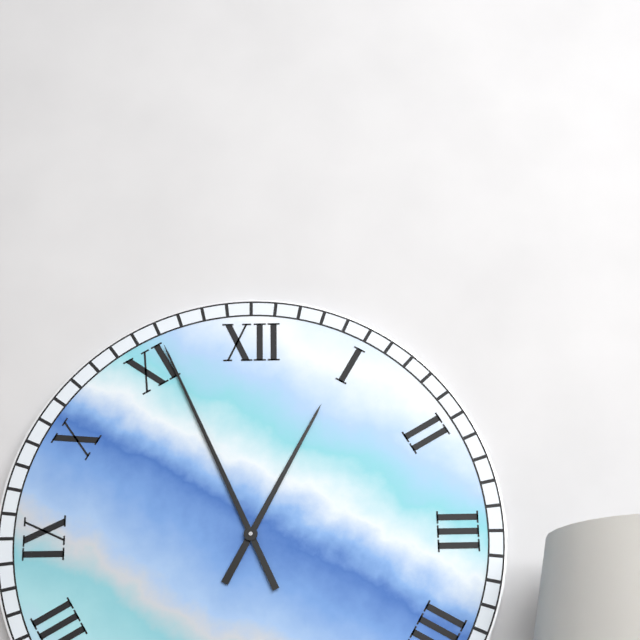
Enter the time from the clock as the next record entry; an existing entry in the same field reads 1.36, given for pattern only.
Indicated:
12.56
